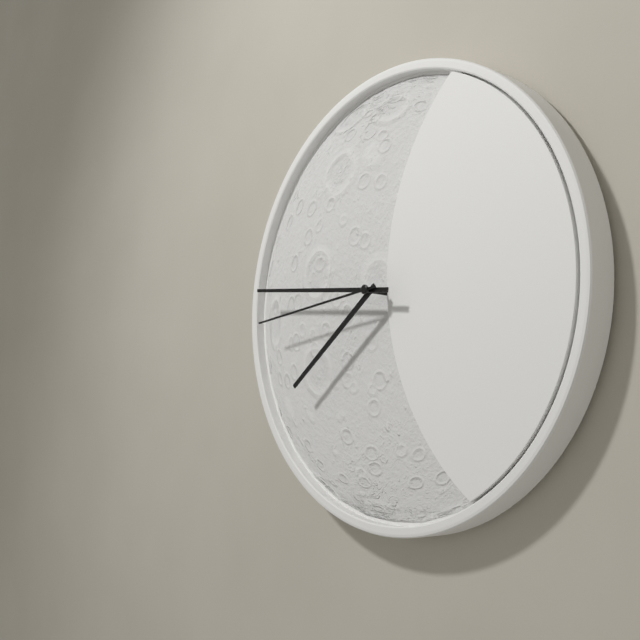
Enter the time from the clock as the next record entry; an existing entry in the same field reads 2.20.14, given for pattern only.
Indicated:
7.46.44
